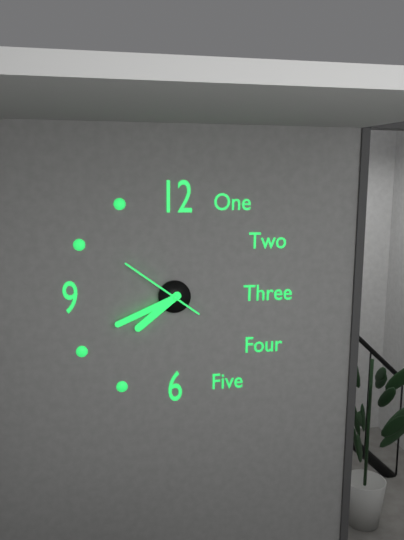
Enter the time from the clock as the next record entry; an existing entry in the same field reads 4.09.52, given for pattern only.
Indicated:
7.41.51
